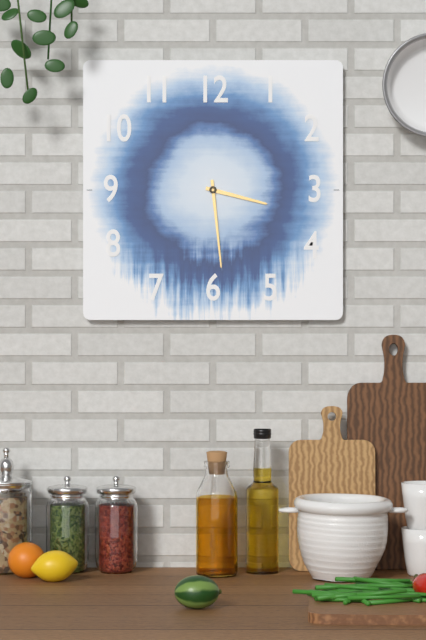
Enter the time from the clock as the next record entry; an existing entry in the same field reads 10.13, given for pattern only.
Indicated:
3.29
